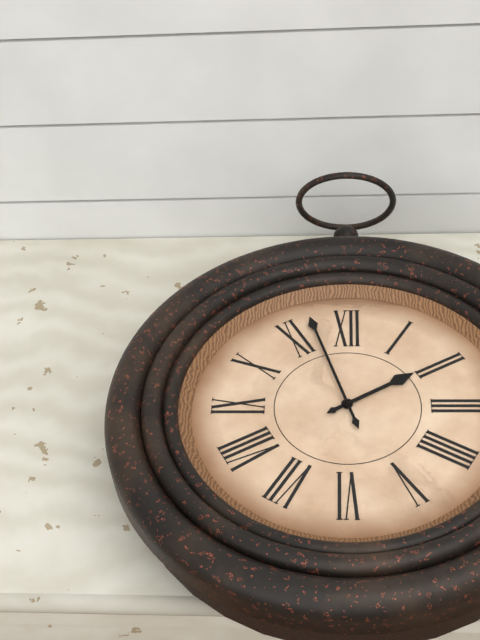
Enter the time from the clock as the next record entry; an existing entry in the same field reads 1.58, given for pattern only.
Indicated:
1.57
